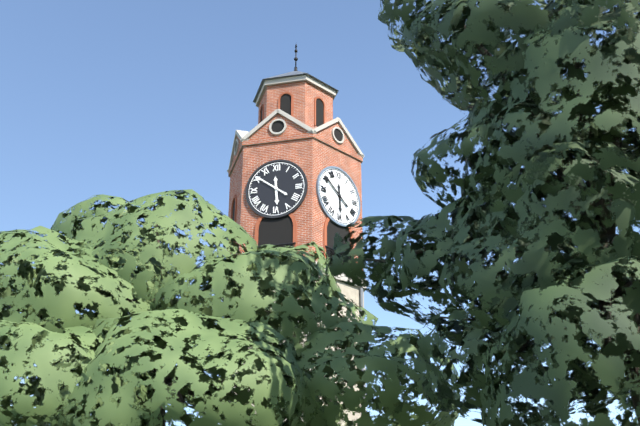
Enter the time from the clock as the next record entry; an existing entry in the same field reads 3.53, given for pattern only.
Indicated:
5.51
